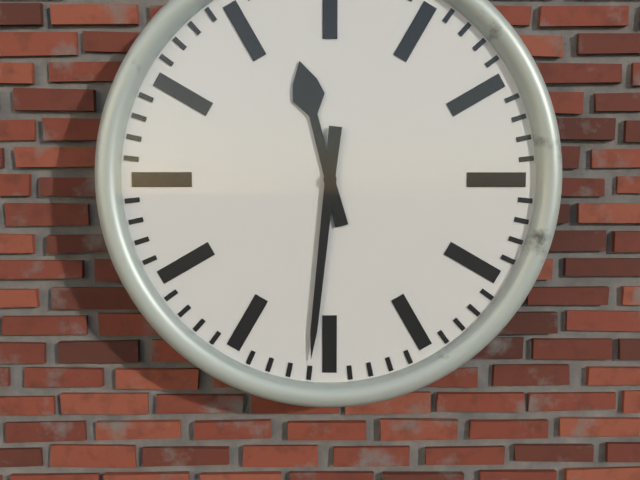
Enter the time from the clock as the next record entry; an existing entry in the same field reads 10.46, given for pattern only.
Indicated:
11.31
